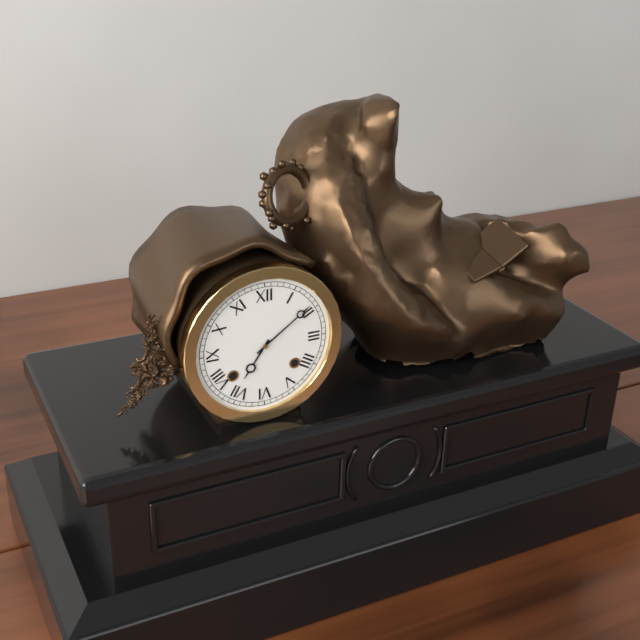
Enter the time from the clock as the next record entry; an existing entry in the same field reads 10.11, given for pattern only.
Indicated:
7.09
